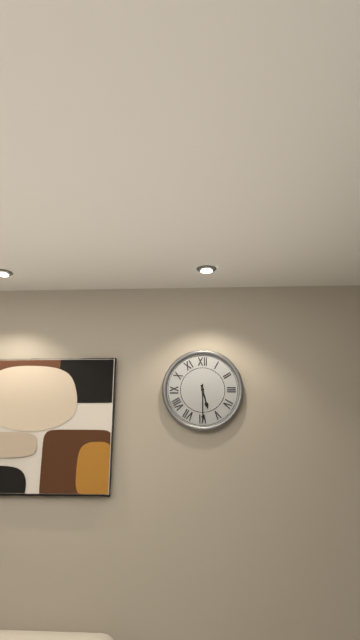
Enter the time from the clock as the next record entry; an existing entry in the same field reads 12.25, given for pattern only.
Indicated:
5.30
